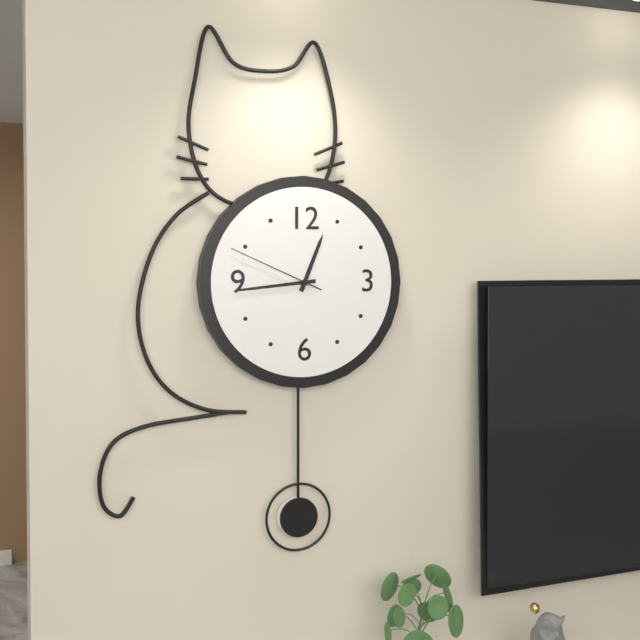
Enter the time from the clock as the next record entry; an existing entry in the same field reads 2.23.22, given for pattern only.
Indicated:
12.44.49
